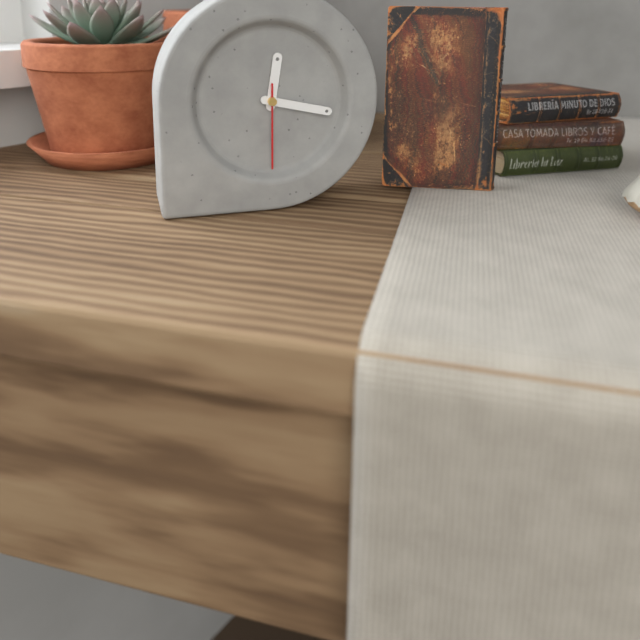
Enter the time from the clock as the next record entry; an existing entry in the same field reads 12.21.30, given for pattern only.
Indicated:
12.17.30
